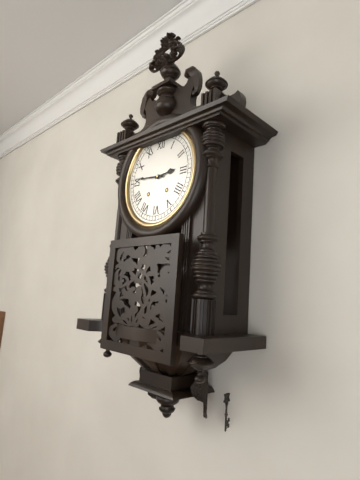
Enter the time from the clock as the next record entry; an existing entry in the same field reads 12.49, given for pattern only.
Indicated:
2.46
